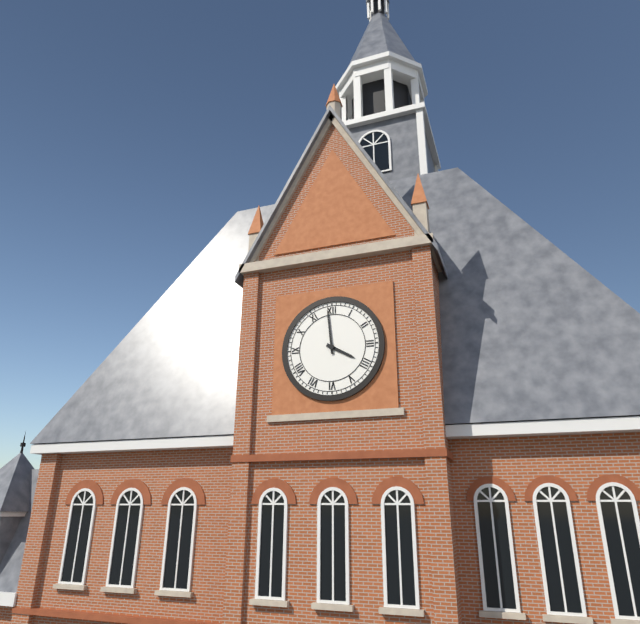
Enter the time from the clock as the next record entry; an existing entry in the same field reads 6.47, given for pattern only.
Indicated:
3.59
